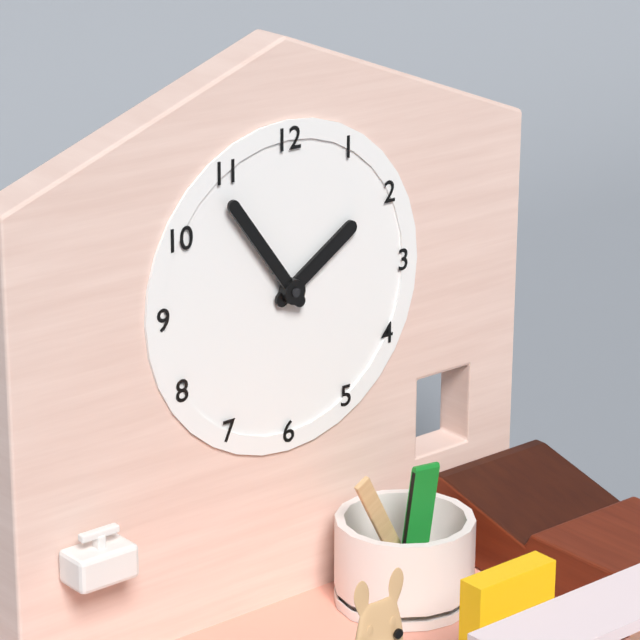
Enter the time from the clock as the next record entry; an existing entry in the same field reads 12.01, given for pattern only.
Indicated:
1.54
